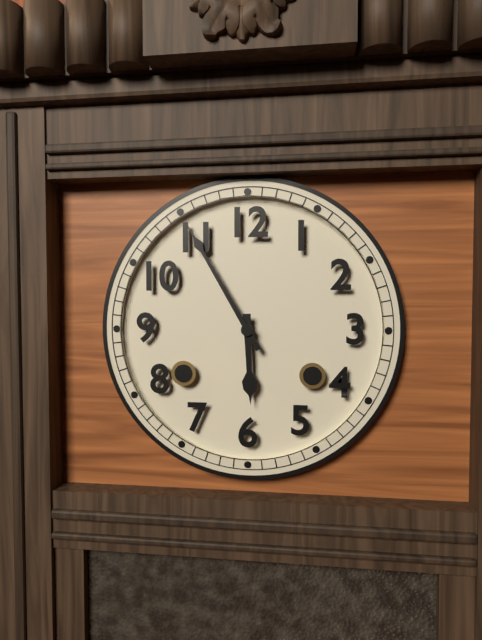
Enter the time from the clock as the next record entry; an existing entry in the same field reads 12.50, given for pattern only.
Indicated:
5.55
